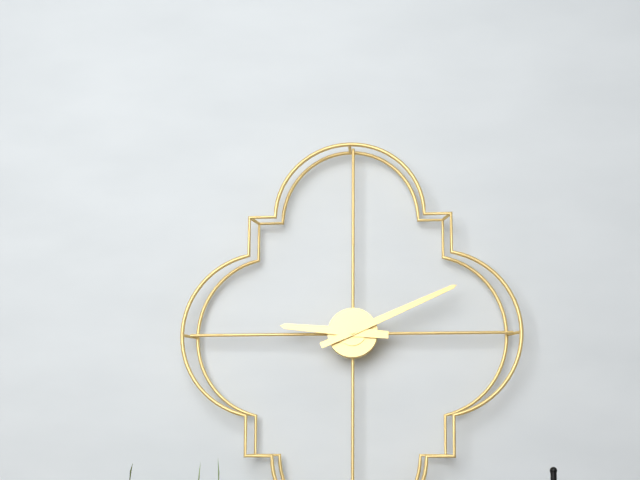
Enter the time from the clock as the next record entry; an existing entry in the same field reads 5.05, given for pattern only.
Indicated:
9.11
